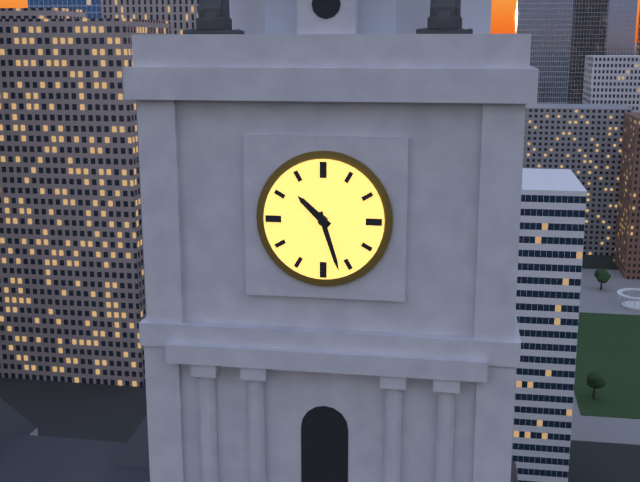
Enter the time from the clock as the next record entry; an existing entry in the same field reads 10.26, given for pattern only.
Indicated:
10.27
